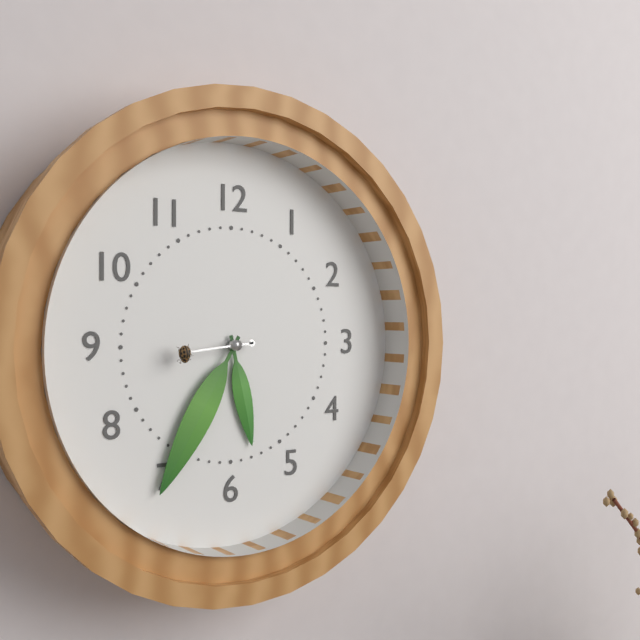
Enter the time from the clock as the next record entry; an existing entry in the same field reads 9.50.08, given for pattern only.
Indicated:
5.35.44
